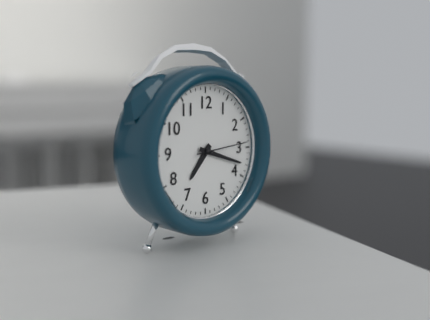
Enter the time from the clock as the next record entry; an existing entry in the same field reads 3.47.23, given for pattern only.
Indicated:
7.18.14
